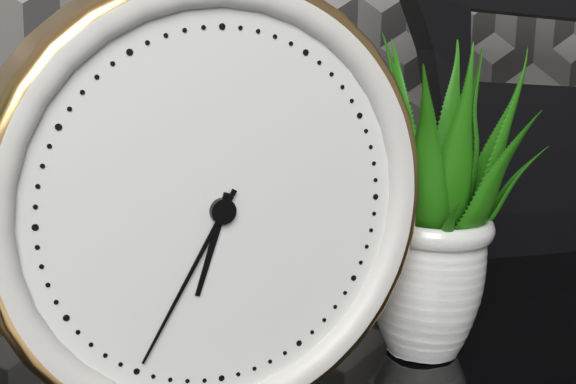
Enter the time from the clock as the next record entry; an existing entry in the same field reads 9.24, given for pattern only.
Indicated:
6.35
